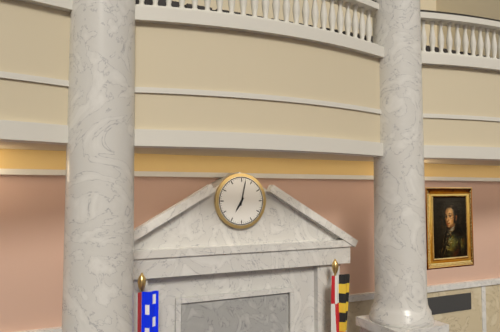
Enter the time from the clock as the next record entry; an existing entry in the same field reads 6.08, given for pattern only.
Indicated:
7.02
